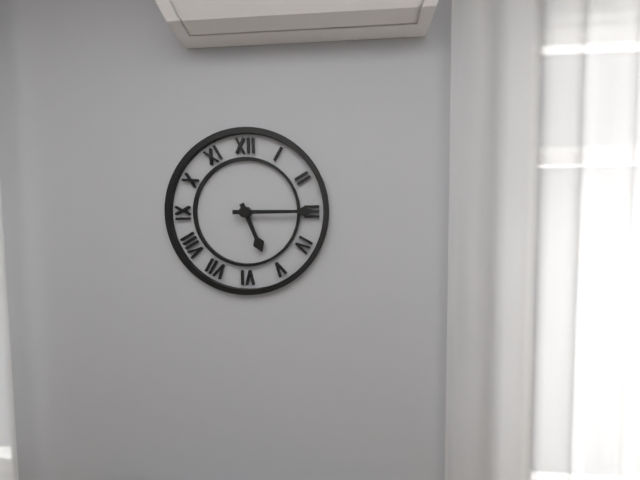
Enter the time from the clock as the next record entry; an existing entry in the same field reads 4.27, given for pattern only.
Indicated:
5.15
